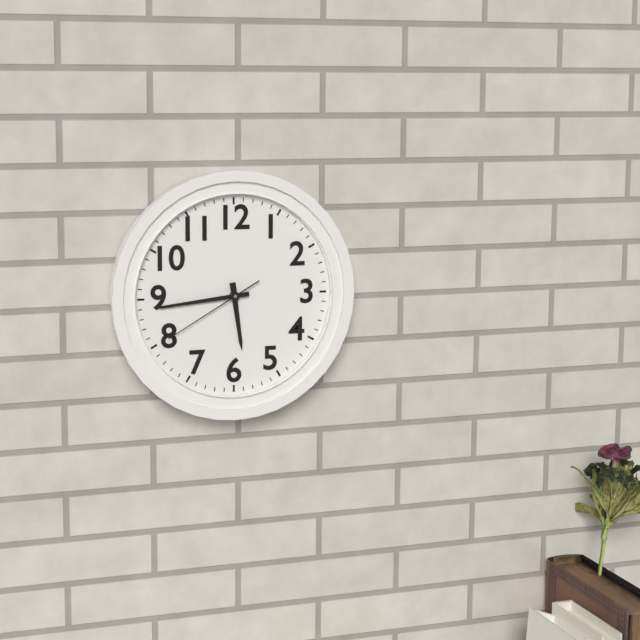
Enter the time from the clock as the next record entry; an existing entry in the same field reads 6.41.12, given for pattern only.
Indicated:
5.44.40
